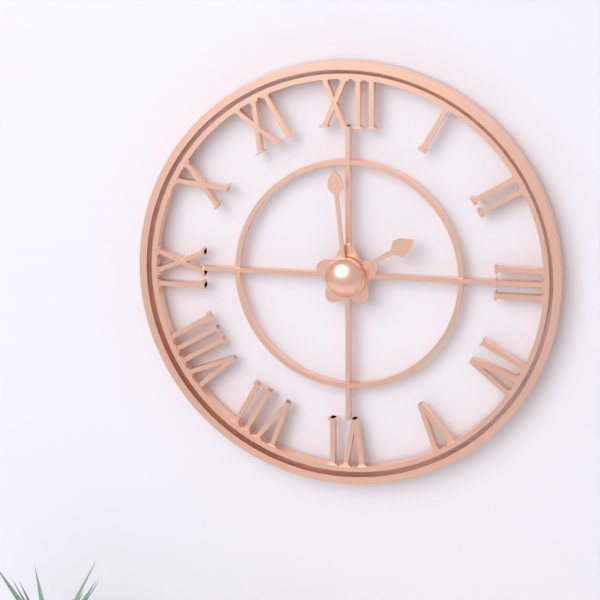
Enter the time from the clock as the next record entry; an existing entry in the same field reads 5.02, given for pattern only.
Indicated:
1.59
